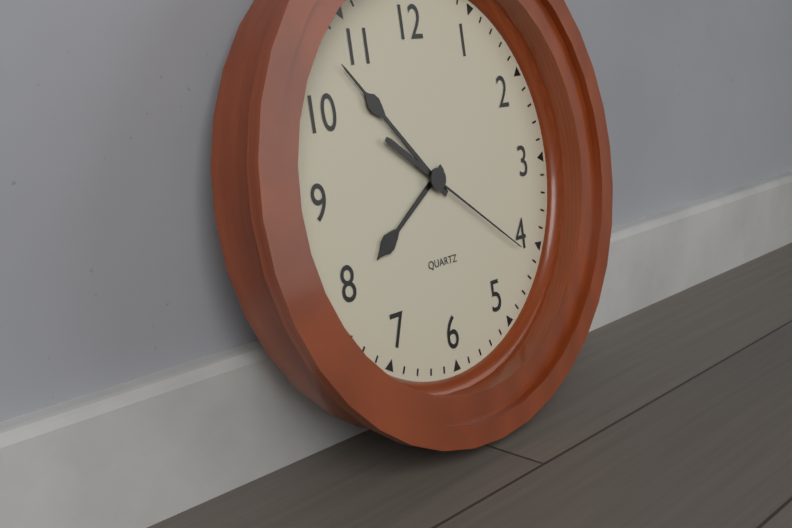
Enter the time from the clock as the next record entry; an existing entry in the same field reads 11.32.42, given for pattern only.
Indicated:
7.53.21
